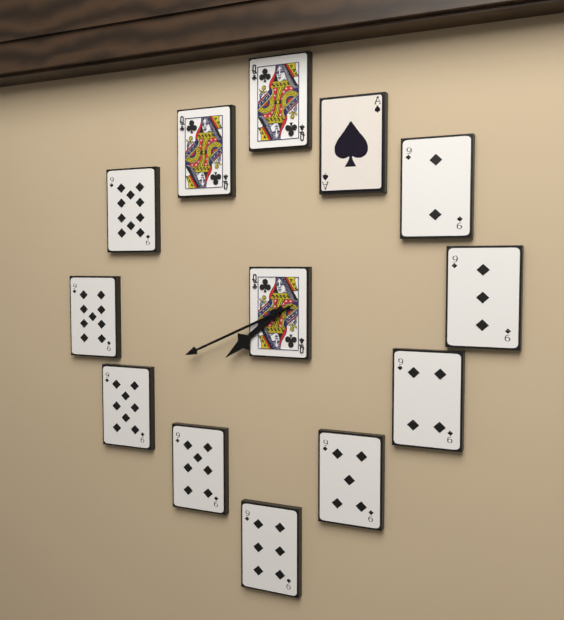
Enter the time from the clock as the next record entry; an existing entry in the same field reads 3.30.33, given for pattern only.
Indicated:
7.41.41
